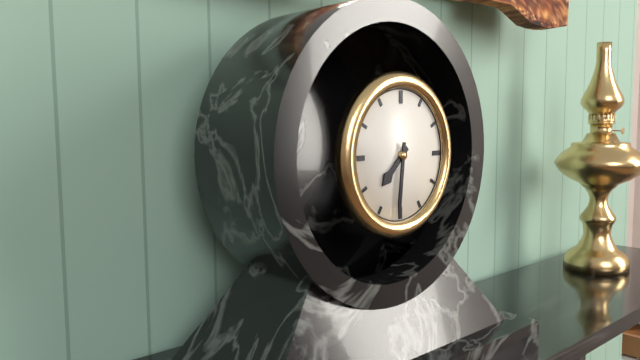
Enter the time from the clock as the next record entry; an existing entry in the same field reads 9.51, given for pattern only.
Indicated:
7.31
